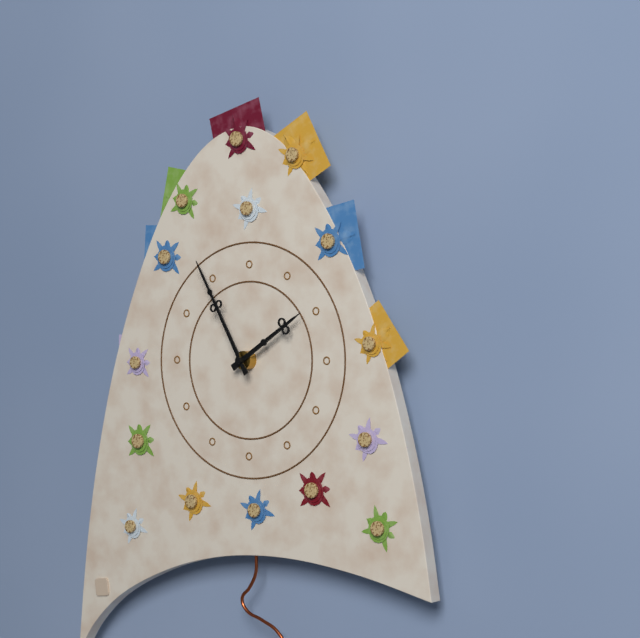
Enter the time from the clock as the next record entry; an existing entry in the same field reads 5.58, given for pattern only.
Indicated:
1.55
